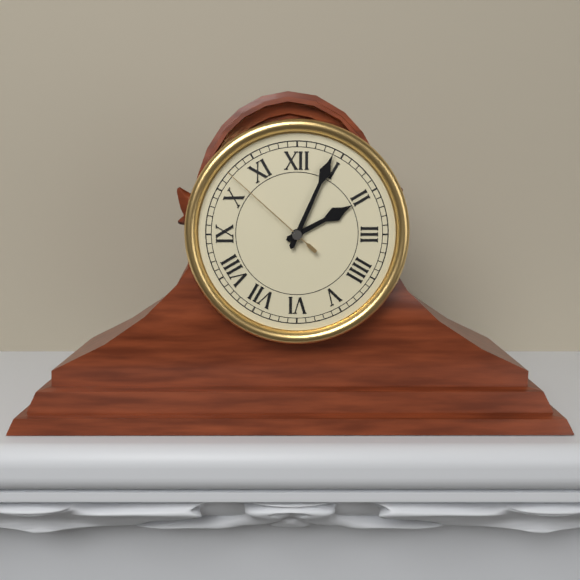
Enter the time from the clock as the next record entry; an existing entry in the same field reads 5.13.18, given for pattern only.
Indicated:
2.04.52
